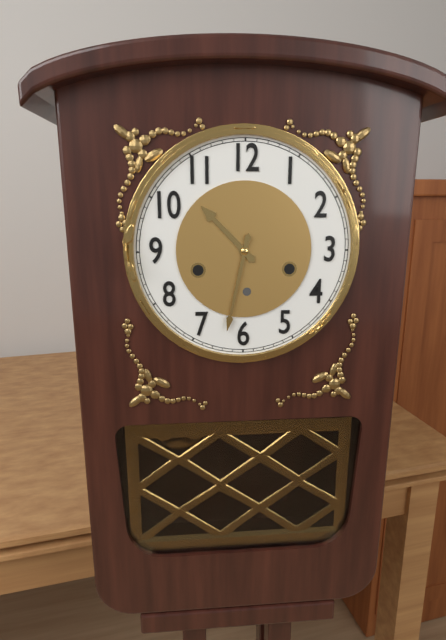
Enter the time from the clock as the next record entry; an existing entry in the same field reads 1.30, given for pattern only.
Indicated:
10.32
